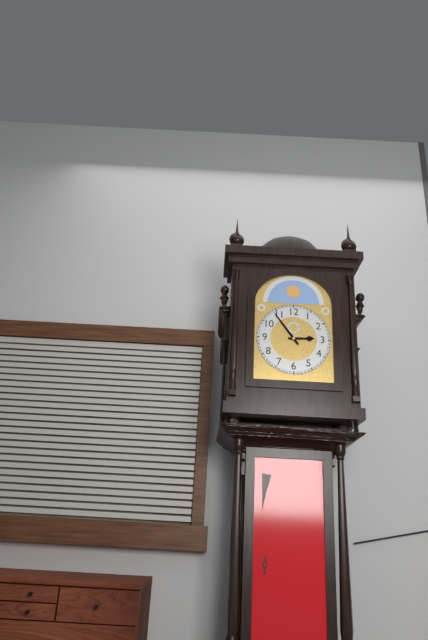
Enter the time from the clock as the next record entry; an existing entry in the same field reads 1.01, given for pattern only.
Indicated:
2.54
